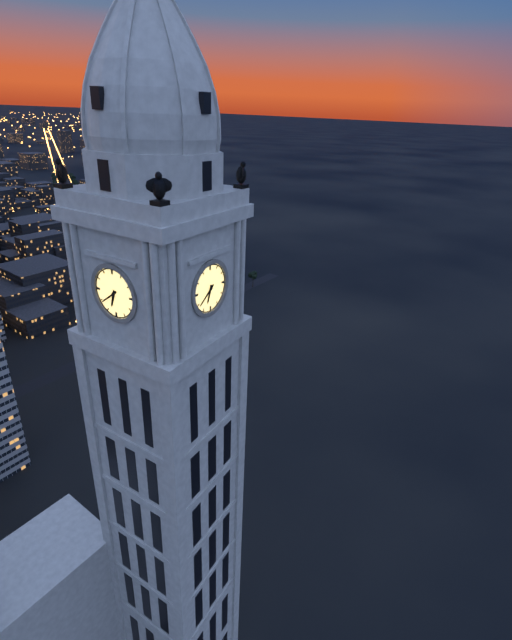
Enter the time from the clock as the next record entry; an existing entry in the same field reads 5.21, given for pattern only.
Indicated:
6.39
